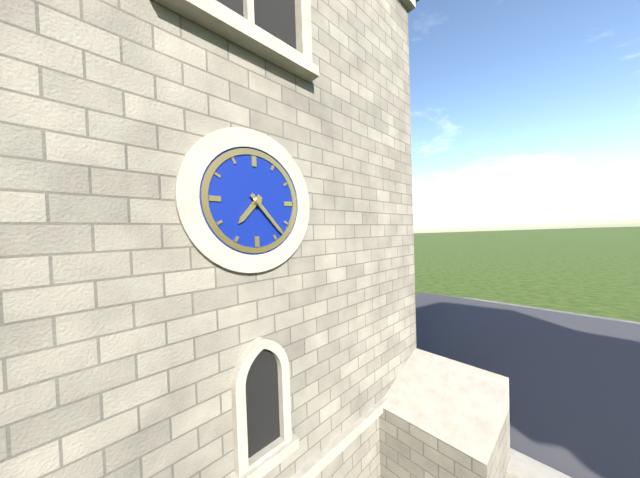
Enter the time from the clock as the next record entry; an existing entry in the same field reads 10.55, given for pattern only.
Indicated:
7.23
